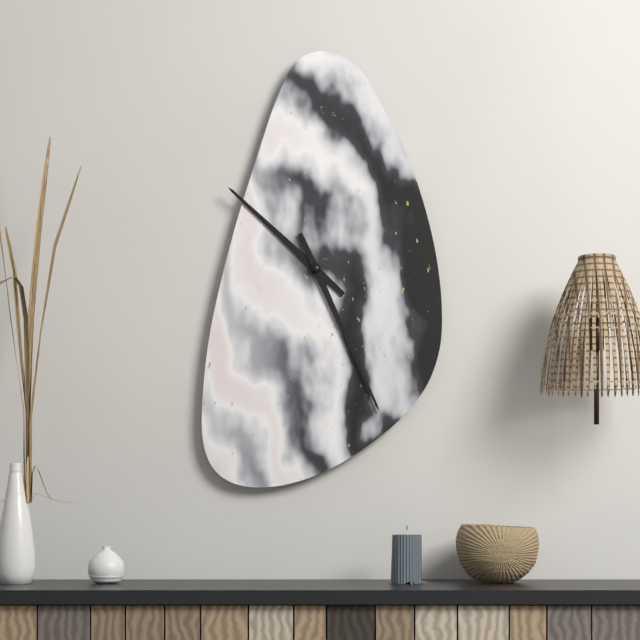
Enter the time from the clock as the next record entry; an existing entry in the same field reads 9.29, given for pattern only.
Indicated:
10.26
